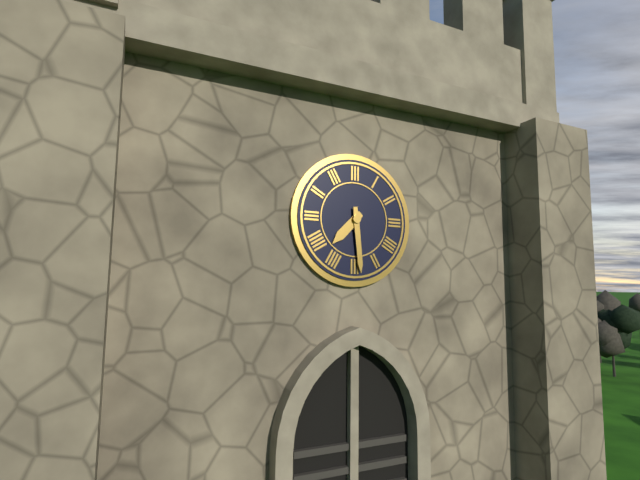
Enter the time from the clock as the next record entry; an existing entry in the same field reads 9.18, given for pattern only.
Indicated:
7.29
